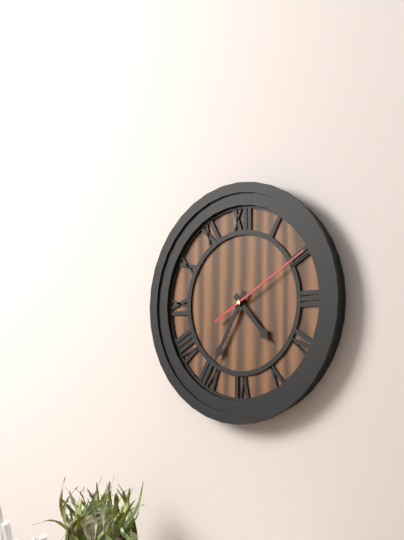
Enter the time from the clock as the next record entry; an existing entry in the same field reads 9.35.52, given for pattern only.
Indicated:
4.35.10
